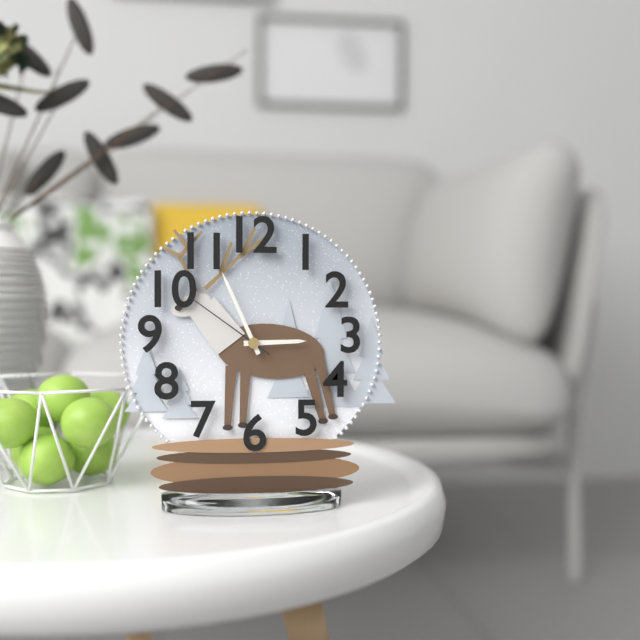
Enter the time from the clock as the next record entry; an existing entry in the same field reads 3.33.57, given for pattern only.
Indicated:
2.56.51
